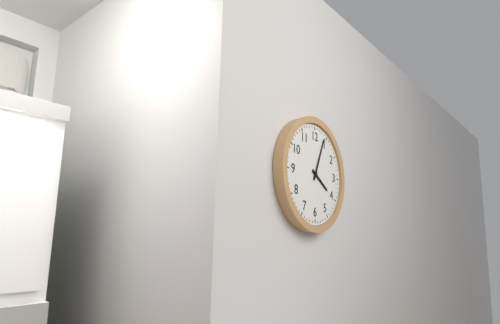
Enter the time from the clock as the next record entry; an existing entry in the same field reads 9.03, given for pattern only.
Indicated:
4.04
